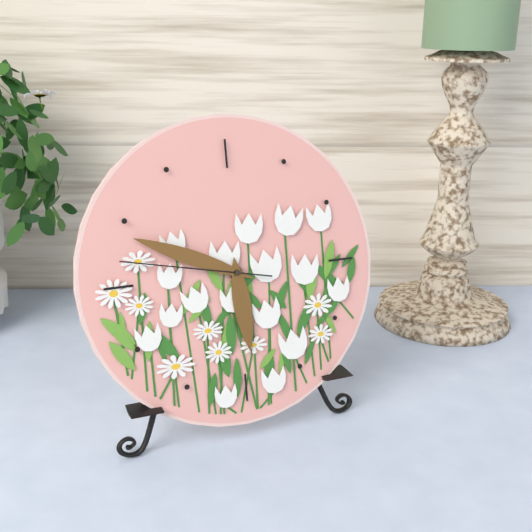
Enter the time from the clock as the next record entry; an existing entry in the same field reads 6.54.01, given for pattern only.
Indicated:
5.49.47
